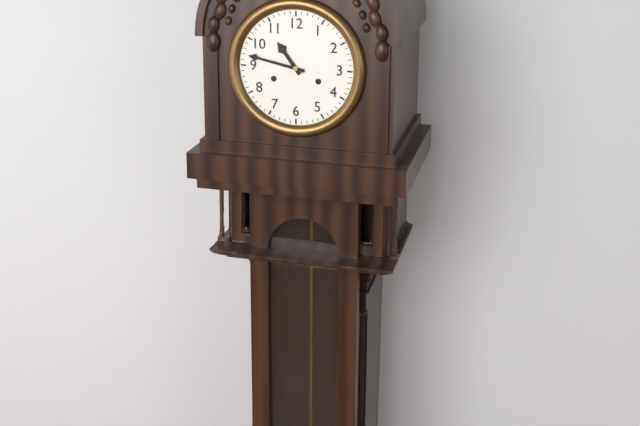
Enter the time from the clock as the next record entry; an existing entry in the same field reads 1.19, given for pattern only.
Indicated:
10.47
